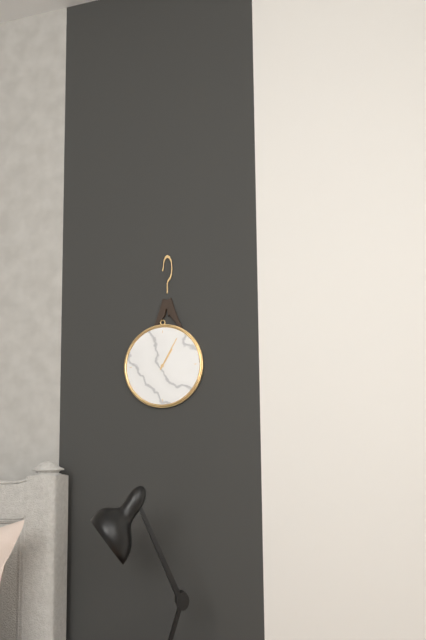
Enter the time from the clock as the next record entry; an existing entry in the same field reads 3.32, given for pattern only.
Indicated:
1.05
